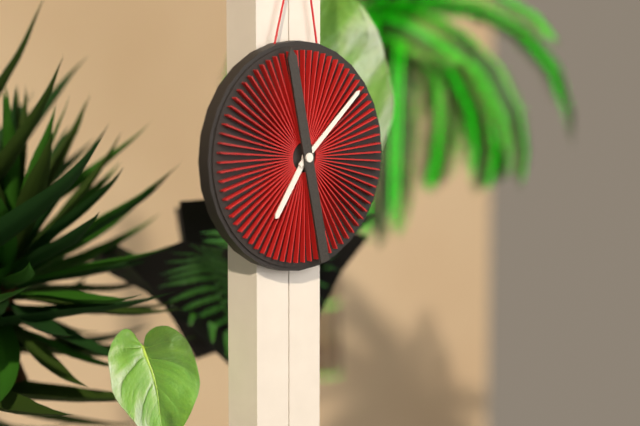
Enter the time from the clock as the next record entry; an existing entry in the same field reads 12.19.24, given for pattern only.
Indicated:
7.08.58
